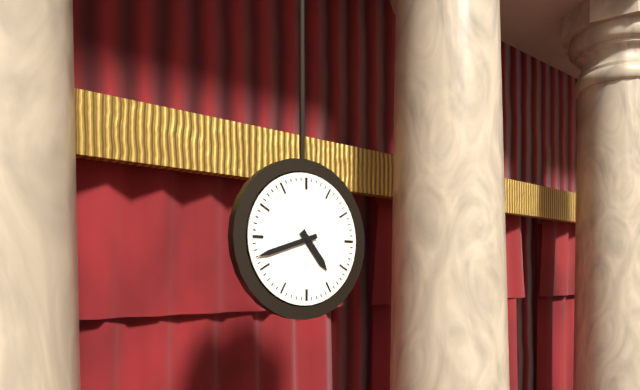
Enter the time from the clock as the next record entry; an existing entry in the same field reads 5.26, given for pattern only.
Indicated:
4.42
